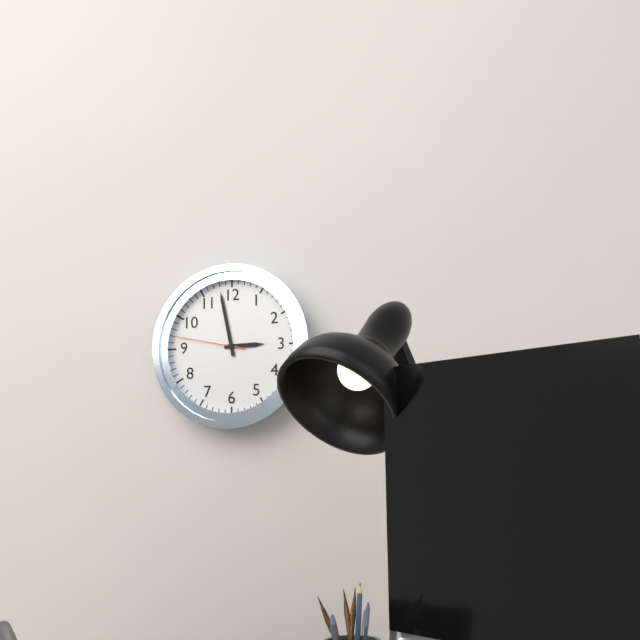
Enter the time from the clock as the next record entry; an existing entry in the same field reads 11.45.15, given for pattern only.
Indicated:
2.58.47
